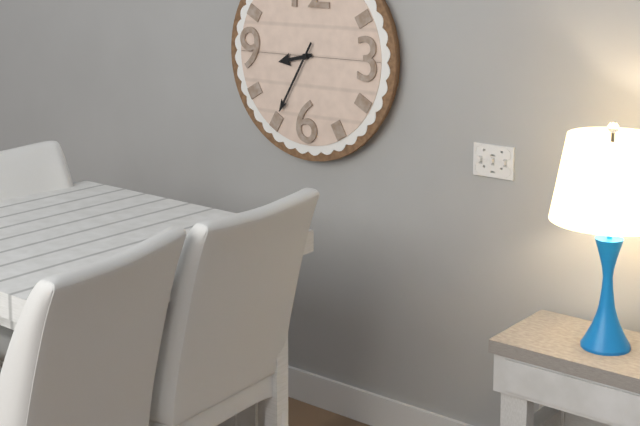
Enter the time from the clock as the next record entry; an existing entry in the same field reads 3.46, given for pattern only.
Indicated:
8.35
